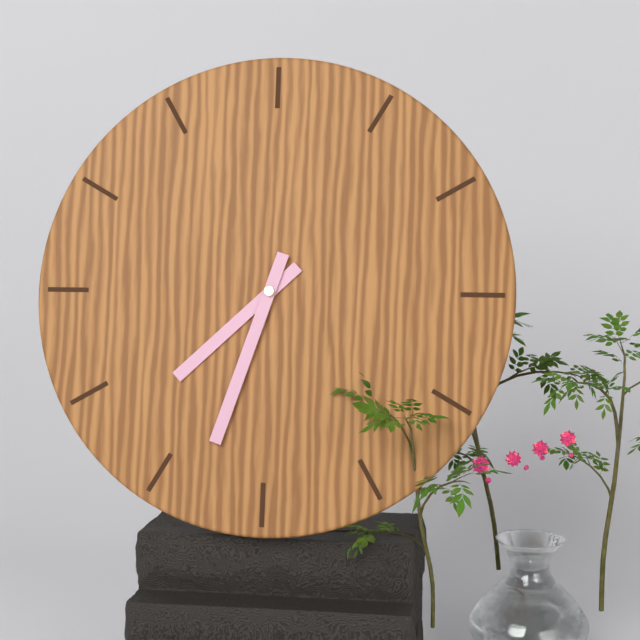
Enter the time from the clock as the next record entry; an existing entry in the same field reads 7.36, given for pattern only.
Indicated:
7.33
